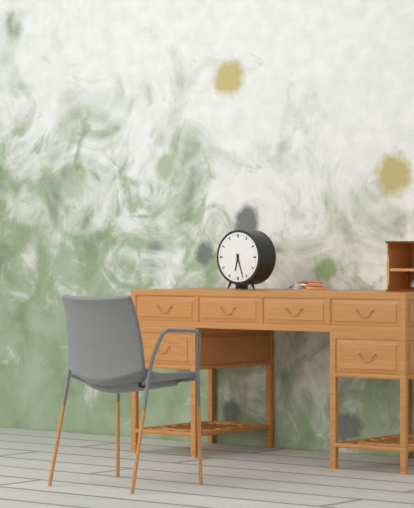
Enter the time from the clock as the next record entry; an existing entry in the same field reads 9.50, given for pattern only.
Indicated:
6.27
